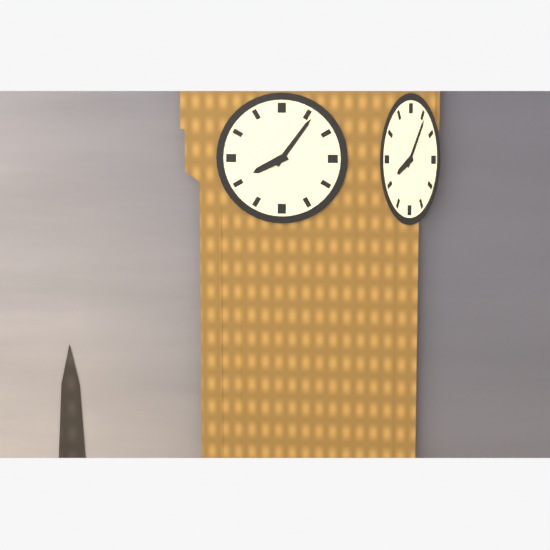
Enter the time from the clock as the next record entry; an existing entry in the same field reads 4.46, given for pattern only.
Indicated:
8.06
